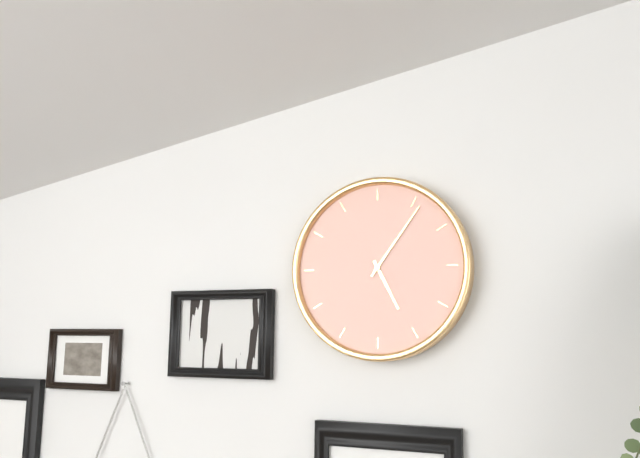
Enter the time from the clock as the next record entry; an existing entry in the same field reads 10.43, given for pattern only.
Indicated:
5.06
